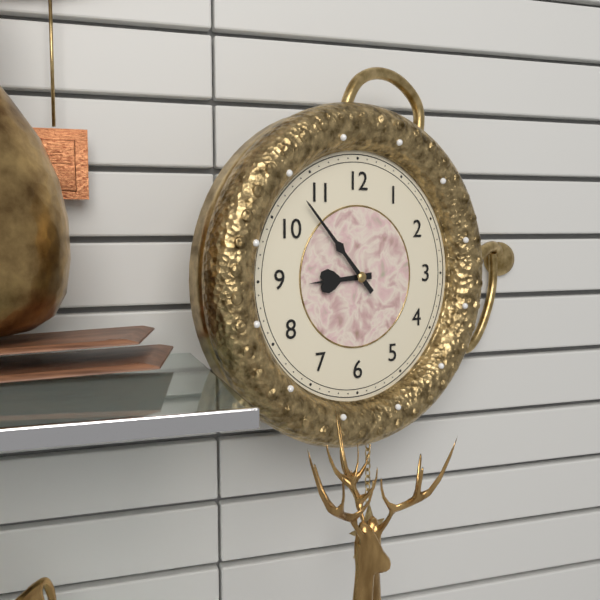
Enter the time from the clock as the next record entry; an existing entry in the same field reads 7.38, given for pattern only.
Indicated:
8.53
